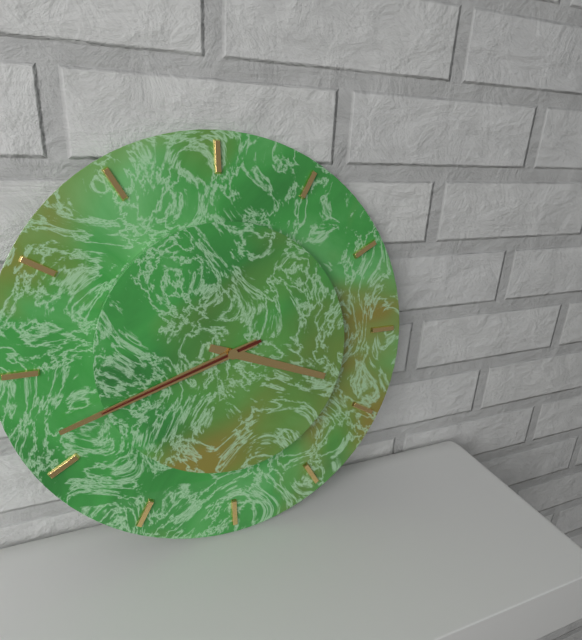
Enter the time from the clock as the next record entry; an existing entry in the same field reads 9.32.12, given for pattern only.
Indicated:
3.42.42
